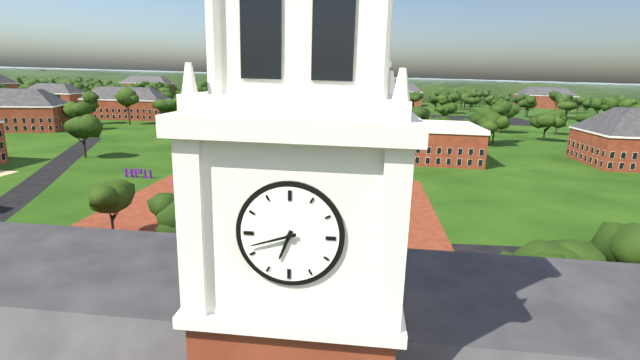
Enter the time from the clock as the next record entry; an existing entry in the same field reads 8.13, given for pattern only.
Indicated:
6.42
